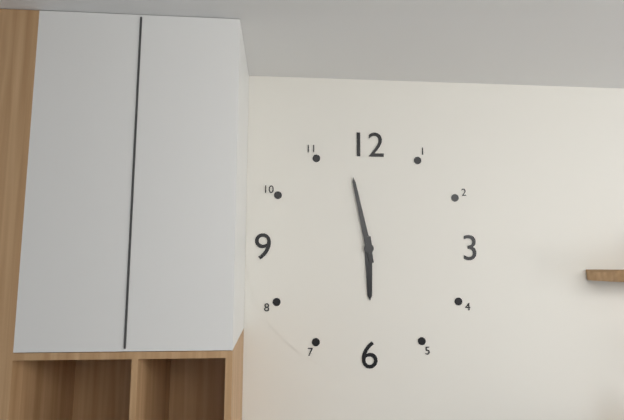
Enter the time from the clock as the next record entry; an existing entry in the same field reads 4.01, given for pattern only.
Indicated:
5.58
